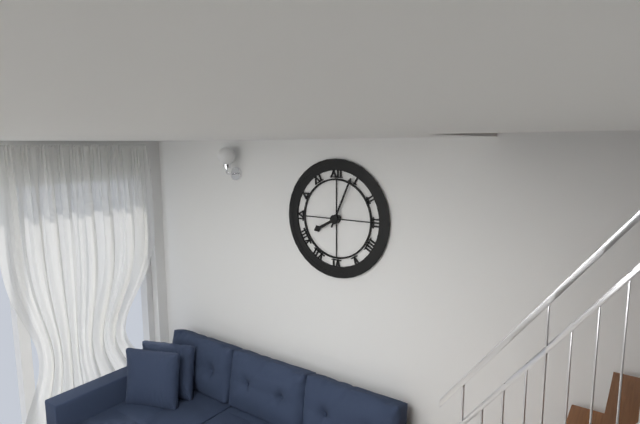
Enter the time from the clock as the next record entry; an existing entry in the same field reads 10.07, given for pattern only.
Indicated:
8.04
